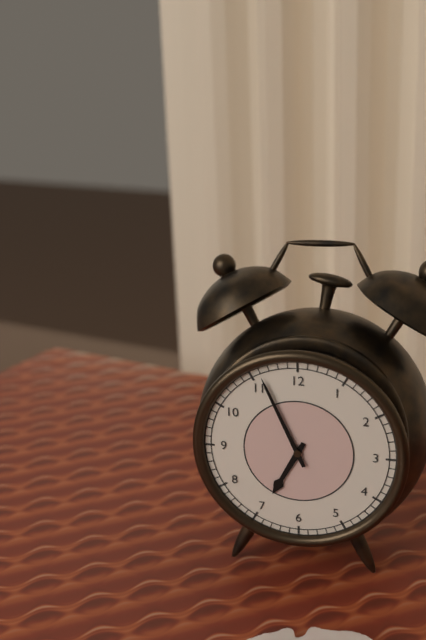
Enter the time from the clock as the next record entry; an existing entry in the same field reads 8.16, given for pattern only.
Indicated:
6.56
